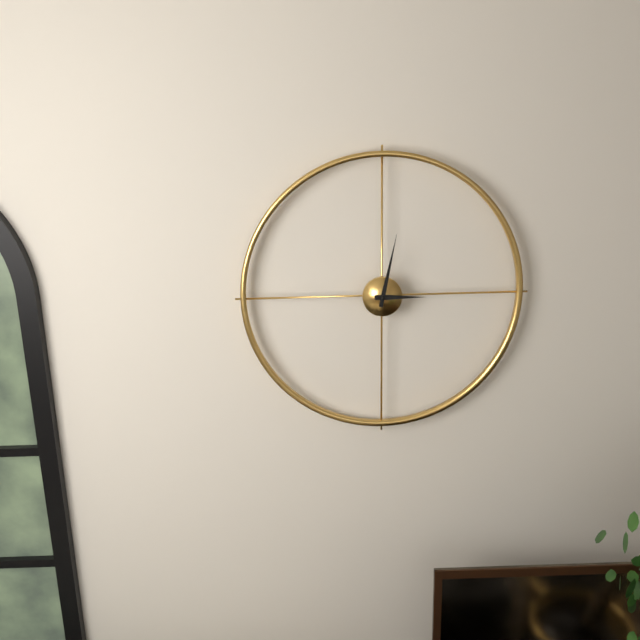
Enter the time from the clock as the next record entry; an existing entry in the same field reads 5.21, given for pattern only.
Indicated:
3.02
